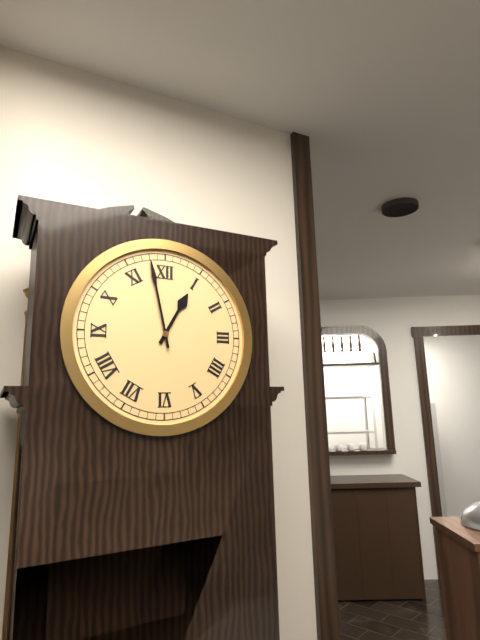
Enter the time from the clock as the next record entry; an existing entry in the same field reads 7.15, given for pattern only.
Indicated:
12.58
